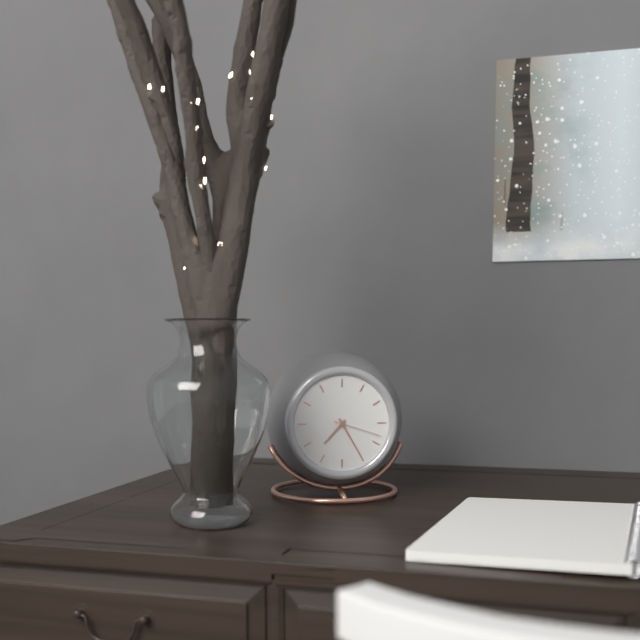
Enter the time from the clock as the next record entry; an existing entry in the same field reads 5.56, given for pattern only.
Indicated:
7.25
